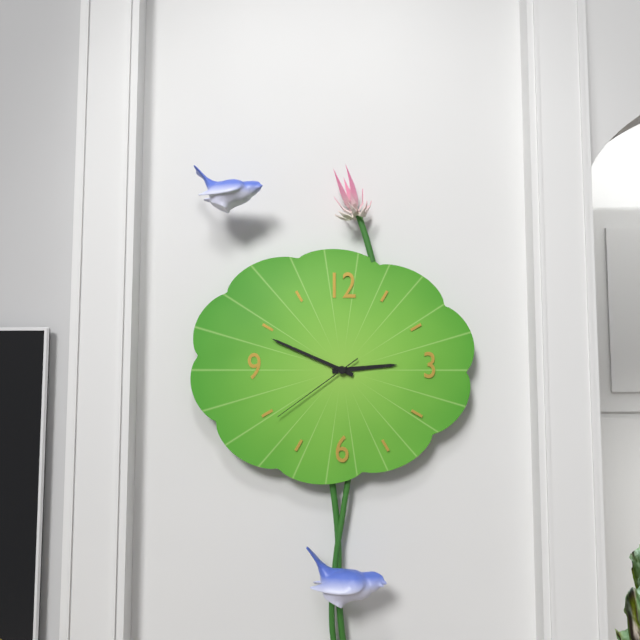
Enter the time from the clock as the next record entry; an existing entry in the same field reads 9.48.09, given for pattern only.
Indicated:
2.49.39
